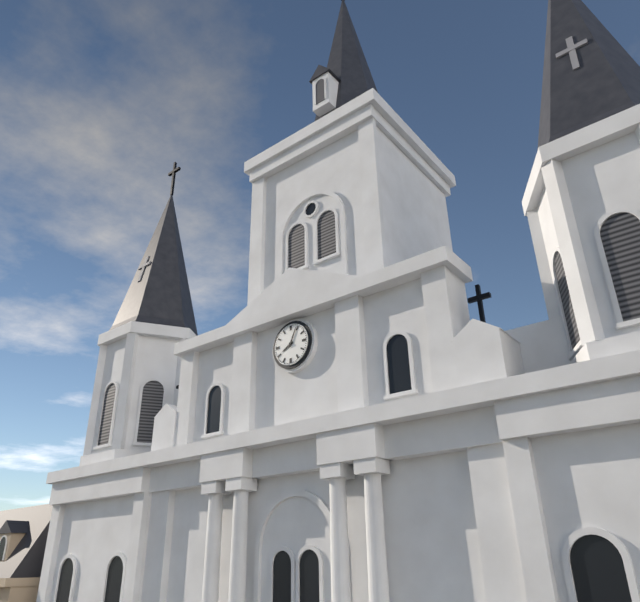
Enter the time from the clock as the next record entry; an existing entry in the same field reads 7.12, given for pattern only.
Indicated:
8.04
